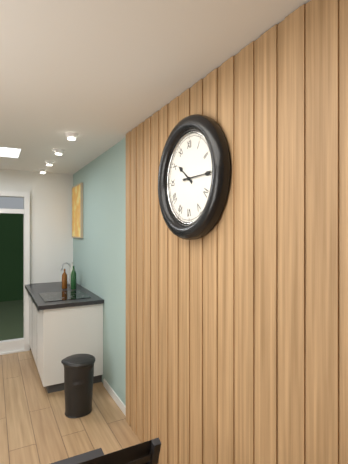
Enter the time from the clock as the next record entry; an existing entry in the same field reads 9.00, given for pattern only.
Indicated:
10.15
